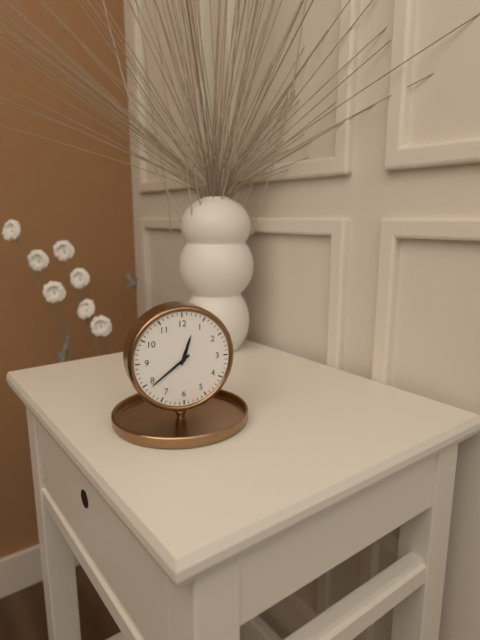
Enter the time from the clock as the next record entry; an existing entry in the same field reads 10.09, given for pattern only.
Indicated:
12.39
